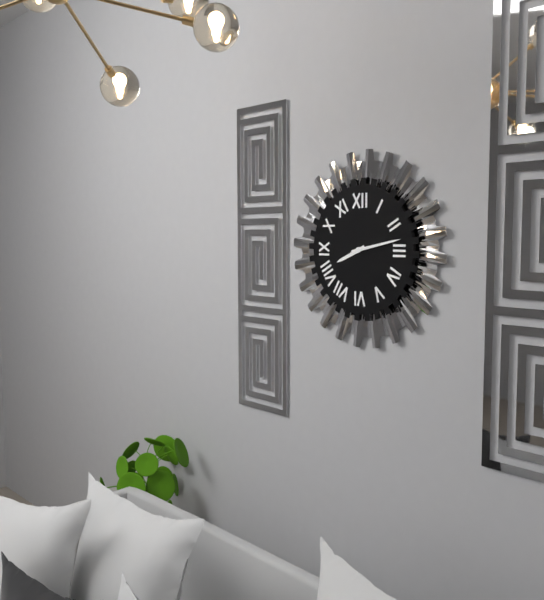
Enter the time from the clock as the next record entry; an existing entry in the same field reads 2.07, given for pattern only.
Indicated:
8.13
